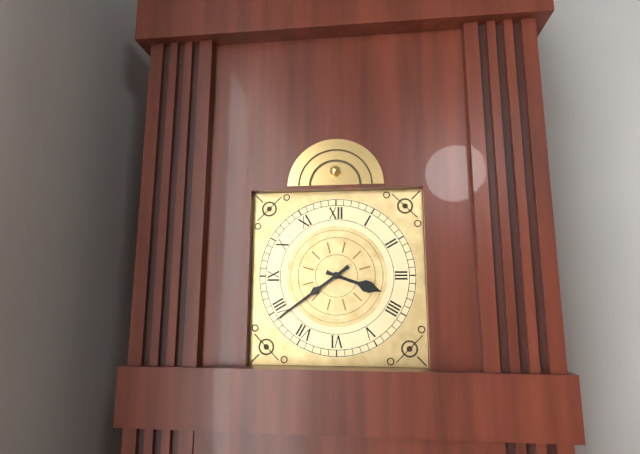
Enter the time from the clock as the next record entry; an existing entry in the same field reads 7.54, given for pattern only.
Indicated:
3.39
